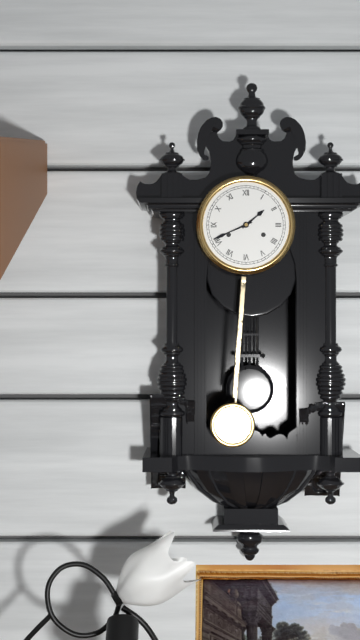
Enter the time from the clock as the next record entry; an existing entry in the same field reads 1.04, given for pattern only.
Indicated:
1.41
